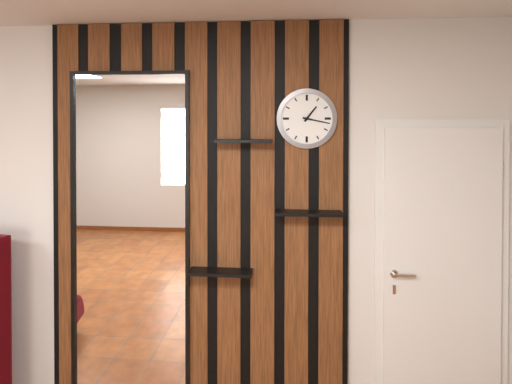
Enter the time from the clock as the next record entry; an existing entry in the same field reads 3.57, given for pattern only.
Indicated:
1.17
